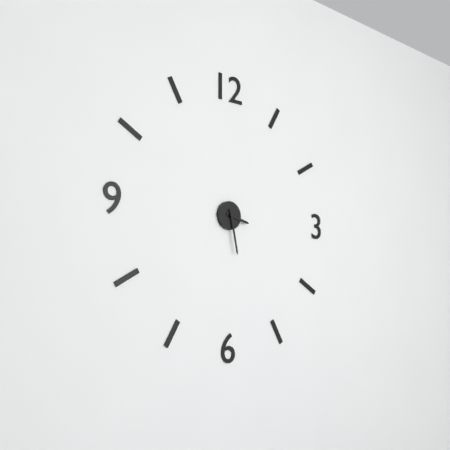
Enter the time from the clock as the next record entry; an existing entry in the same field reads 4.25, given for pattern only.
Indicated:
3.28
